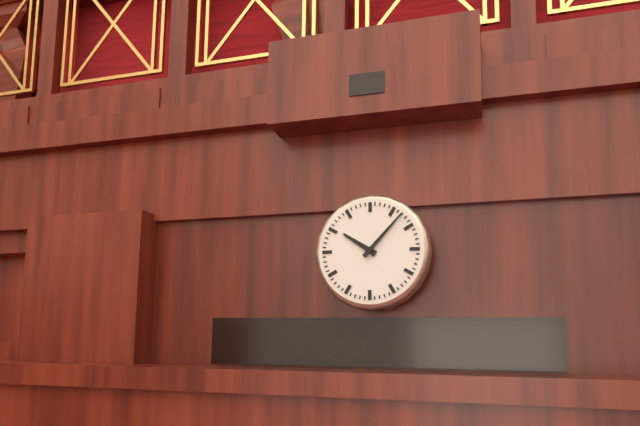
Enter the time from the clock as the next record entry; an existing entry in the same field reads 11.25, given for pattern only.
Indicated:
10.07
